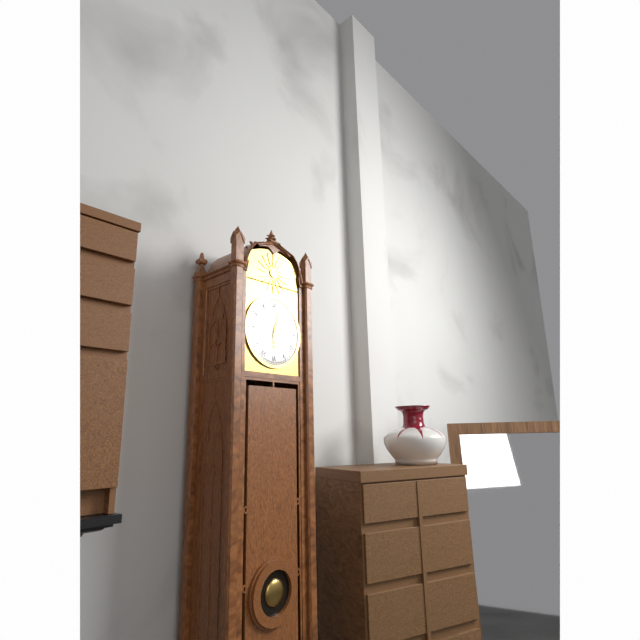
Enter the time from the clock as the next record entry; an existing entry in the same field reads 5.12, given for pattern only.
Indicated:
6.03
